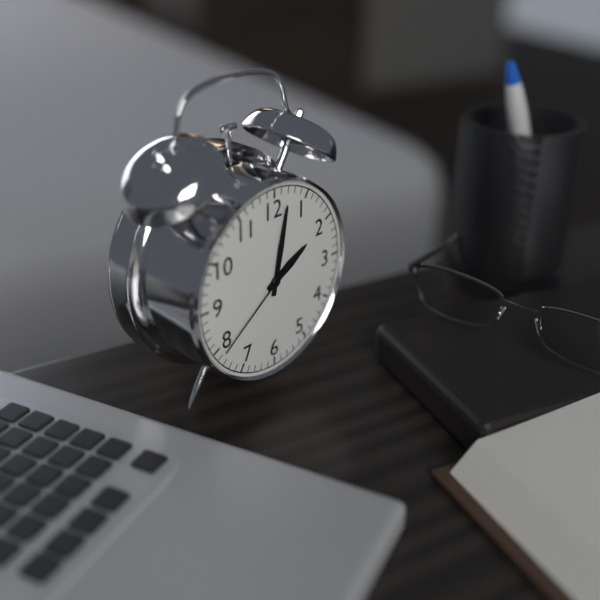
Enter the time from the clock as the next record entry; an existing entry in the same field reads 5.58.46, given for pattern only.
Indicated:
2.02.39
